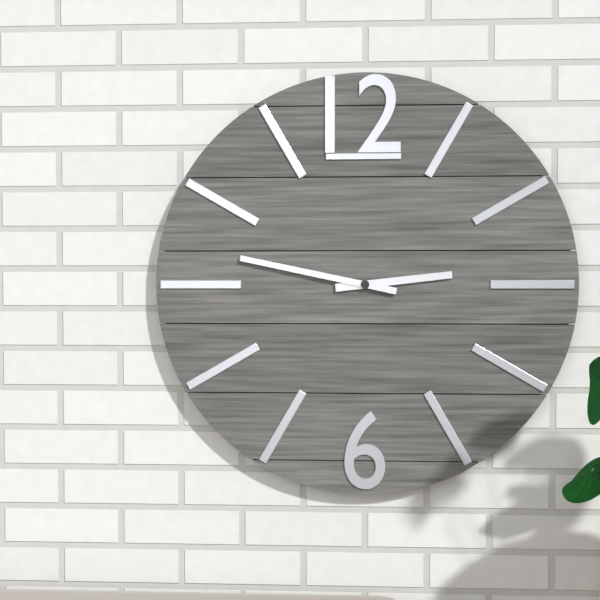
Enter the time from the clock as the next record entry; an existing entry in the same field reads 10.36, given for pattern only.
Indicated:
2.47
